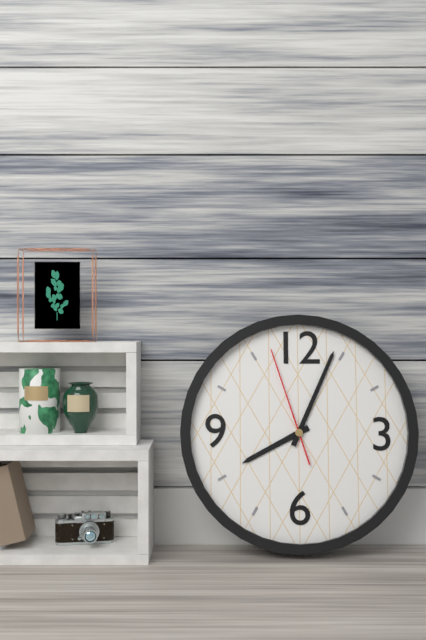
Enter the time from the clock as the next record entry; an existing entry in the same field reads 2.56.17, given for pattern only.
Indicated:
8.04.57
